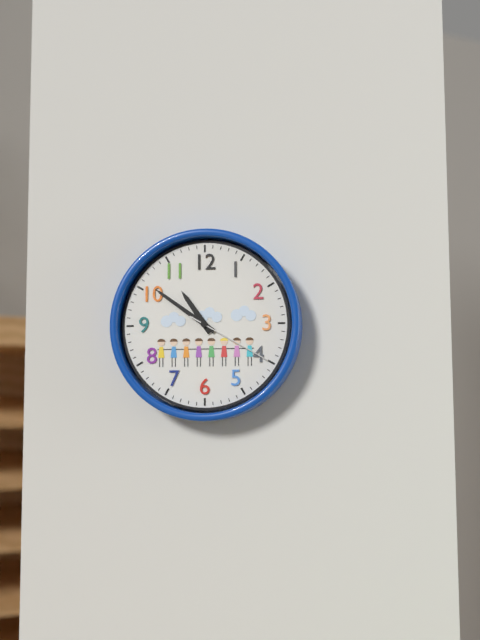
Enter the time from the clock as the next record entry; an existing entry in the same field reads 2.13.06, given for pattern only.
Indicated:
10.51.20
